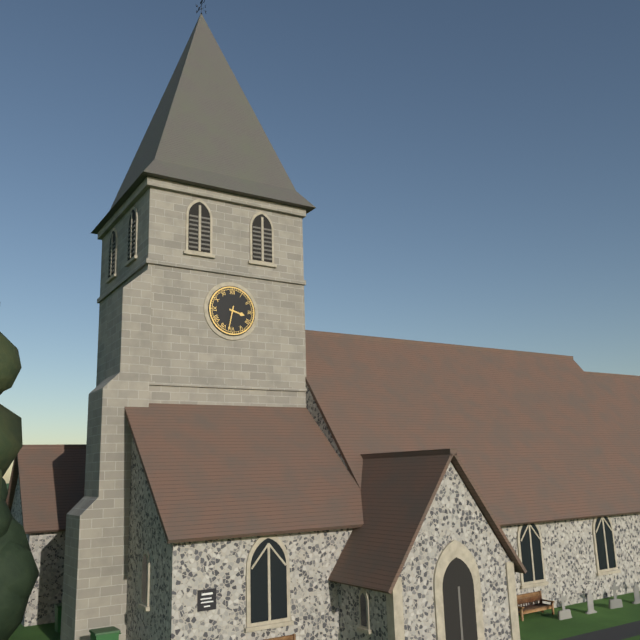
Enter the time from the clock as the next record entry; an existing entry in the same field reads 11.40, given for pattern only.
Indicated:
3.32
